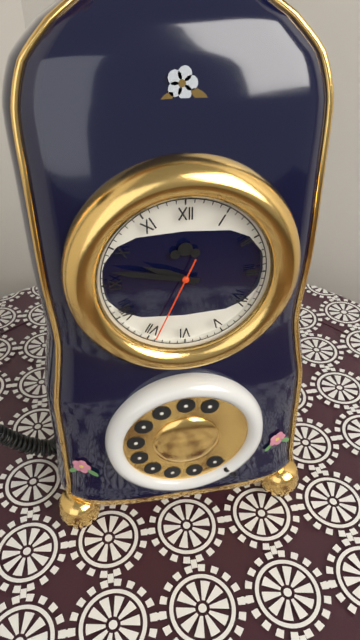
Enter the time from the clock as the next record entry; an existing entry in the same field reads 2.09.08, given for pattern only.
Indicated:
9.47.34
